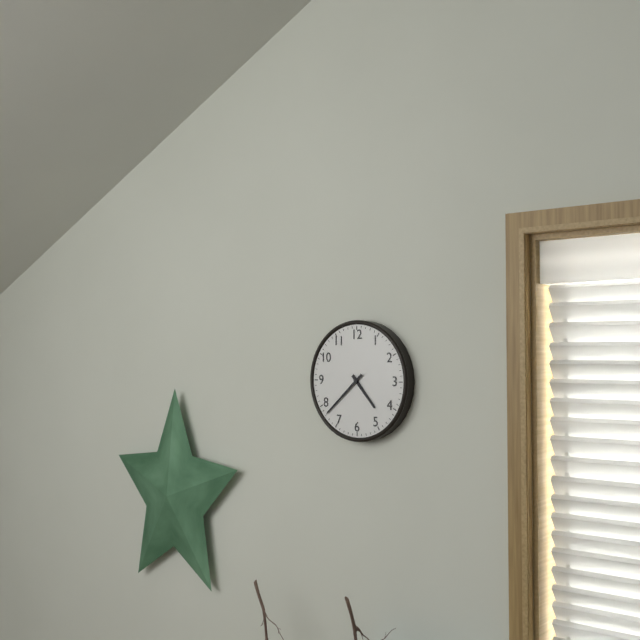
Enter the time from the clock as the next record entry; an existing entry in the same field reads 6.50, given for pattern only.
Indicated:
4.38
